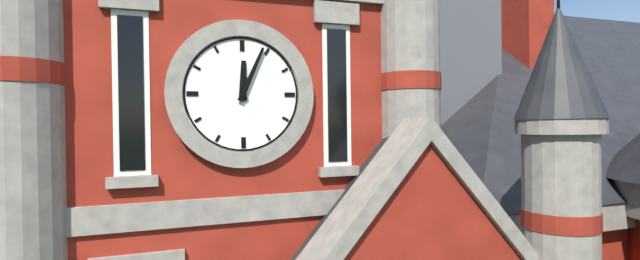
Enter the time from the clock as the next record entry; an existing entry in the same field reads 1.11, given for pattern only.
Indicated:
12.04
